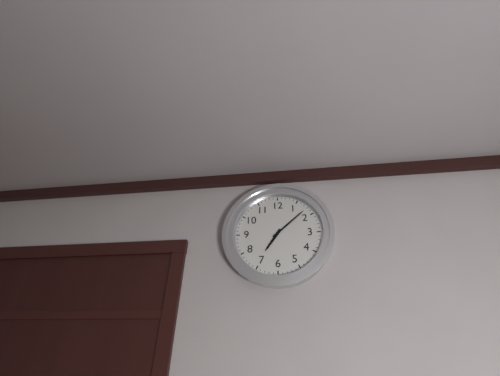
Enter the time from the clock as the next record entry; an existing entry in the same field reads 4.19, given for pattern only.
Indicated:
7.08
